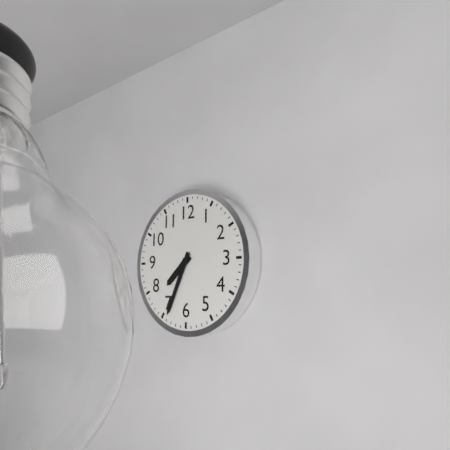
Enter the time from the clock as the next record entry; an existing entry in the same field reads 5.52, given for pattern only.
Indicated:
7.34
